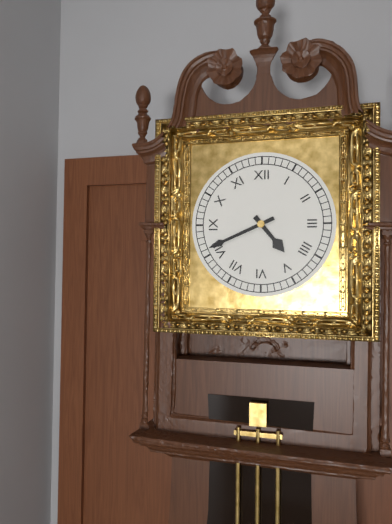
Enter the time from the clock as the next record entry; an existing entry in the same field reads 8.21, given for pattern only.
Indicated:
4.41
